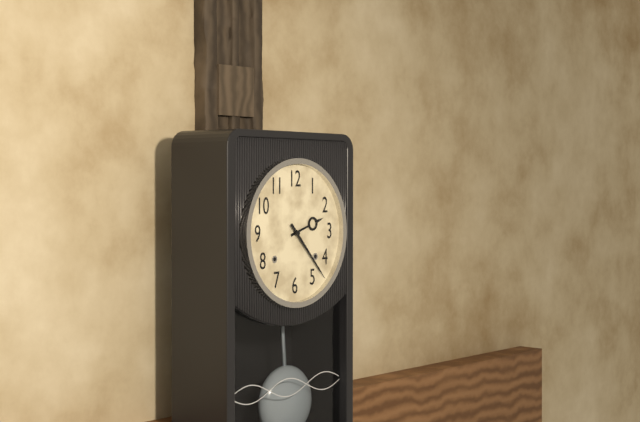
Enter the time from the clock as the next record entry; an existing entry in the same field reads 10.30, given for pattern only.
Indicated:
2.23
